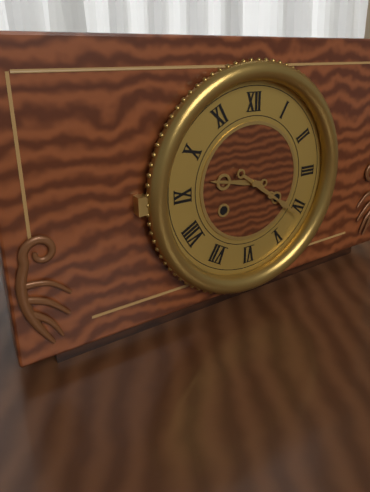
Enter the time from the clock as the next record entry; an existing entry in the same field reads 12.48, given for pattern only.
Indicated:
9.21
